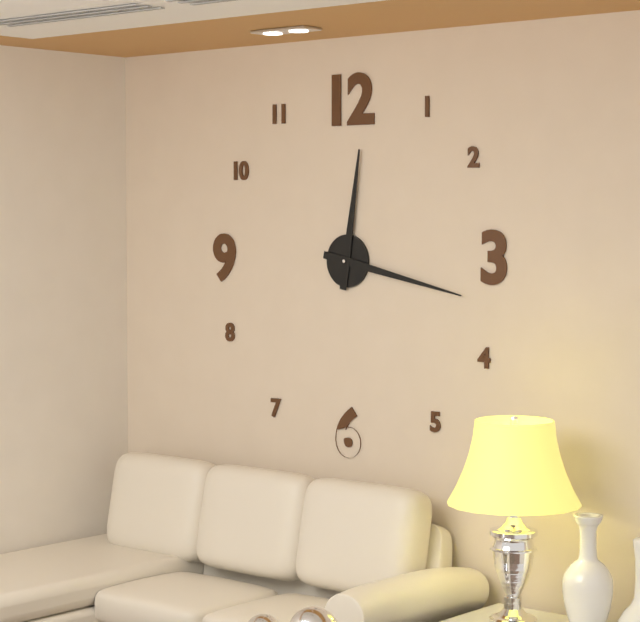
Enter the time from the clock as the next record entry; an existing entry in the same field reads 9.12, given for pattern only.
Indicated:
12.17
